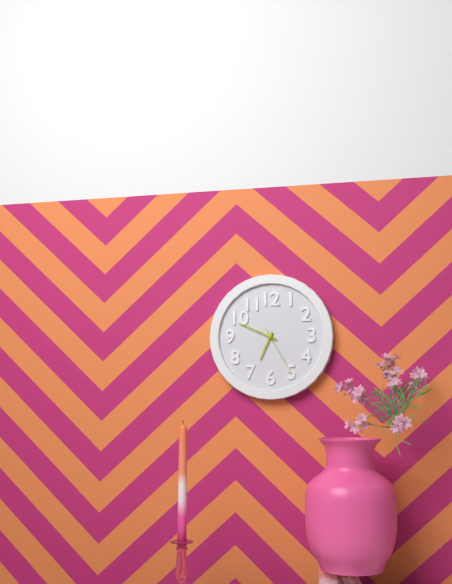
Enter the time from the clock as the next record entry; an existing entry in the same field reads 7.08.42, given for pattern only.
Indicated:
6.49.25
